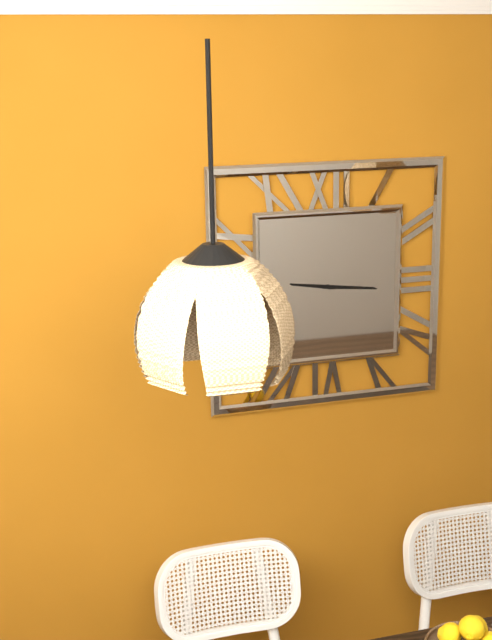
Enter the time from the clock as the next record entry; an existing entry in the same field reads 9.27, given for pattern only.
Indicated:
9.16
